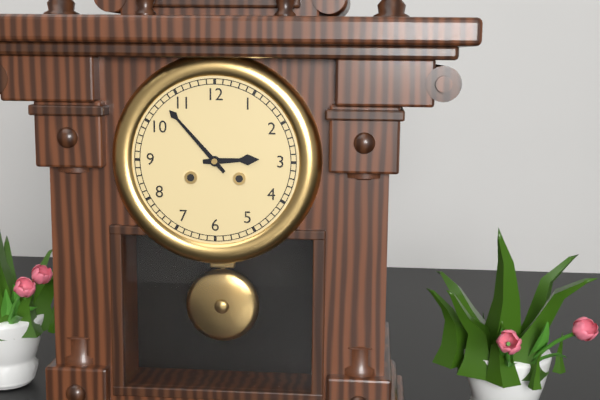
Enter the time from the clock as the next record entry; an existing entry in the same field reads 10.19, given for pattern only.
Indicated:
2.53
